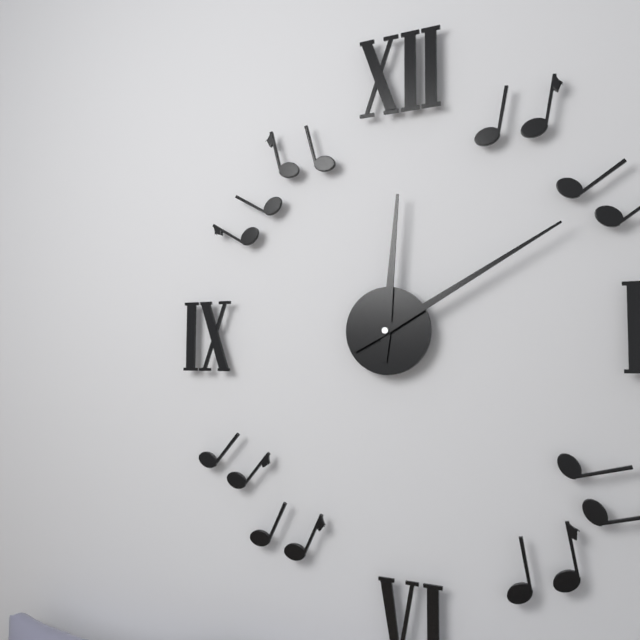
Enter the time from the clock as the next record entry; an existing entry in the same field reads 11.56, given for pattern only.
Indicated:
12.10
